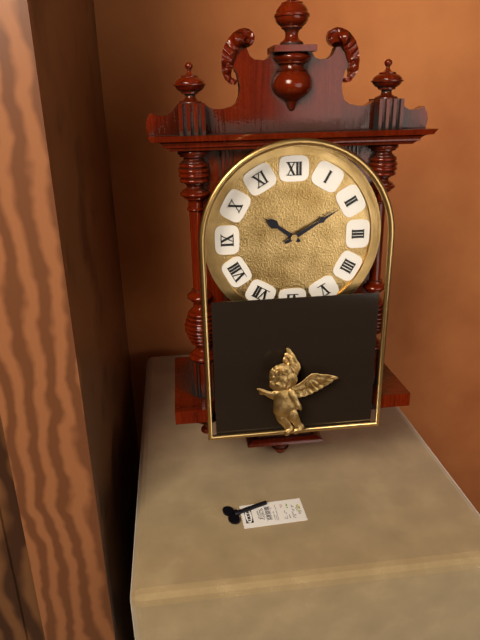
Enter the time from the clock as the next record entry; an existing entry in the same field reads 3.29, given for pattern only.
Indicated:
10.10
